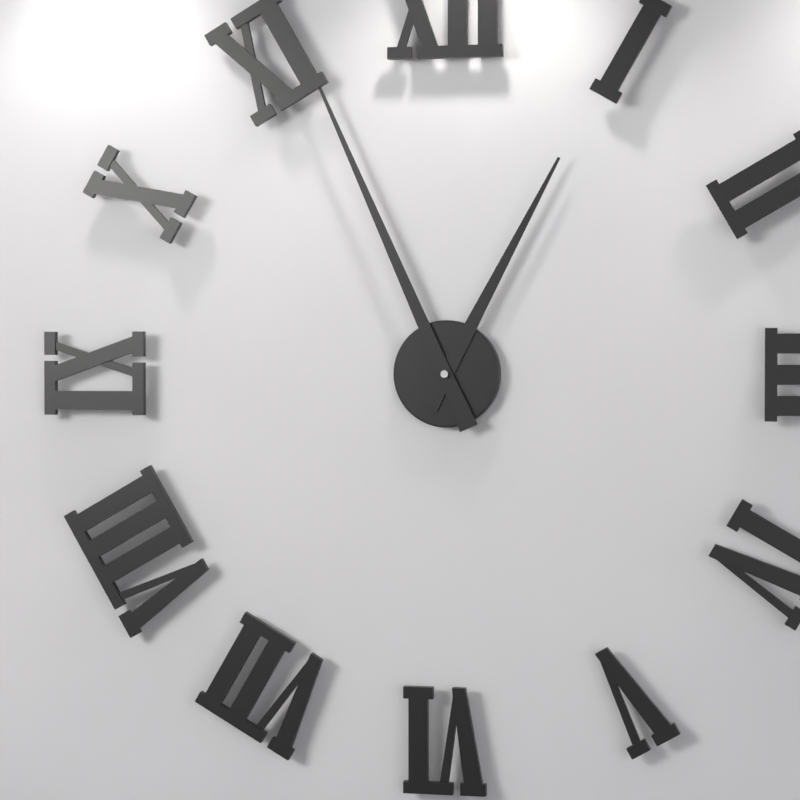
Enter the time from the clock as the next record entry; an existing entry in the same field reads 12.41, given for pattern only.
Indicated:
12.56
